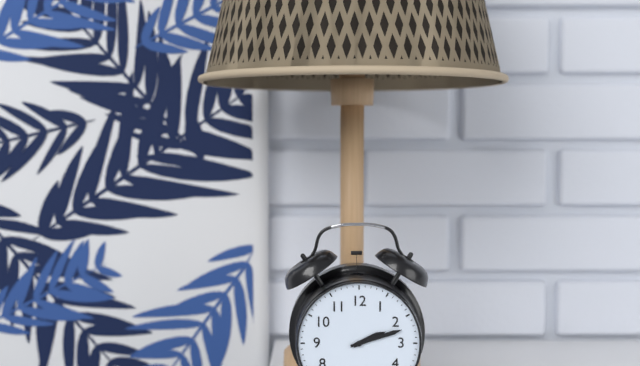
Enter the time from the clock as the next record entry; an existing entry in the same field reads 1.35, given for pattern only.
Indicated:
2.12
